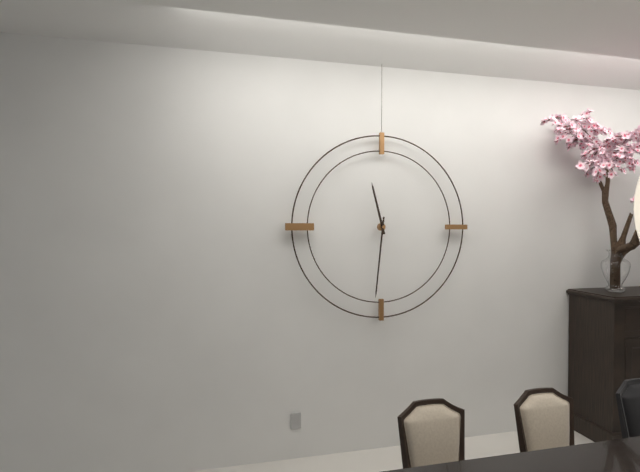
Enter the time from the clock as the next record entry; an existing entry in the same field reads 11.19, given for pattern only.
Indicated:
11.31
